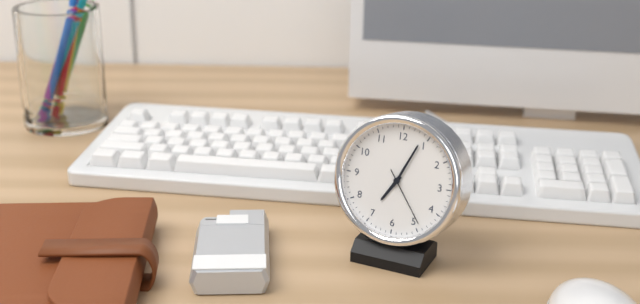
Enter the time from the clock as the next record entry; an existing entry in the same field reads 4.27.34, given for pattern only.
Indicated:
7.04.24
